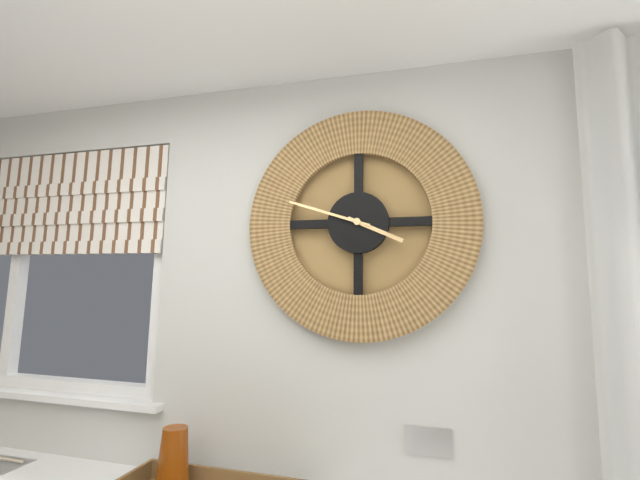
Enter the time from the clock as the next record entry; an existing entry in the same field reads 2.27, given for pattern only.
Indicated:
3.48
